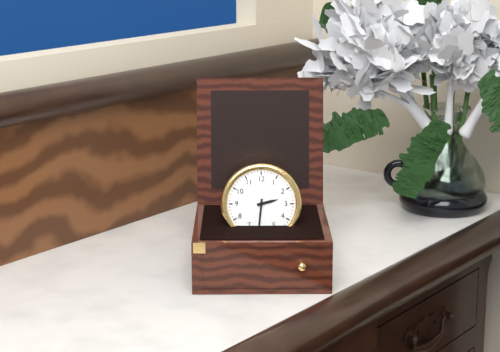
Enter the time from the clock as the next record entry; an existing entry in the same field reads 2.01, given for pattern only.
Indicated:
2.31
